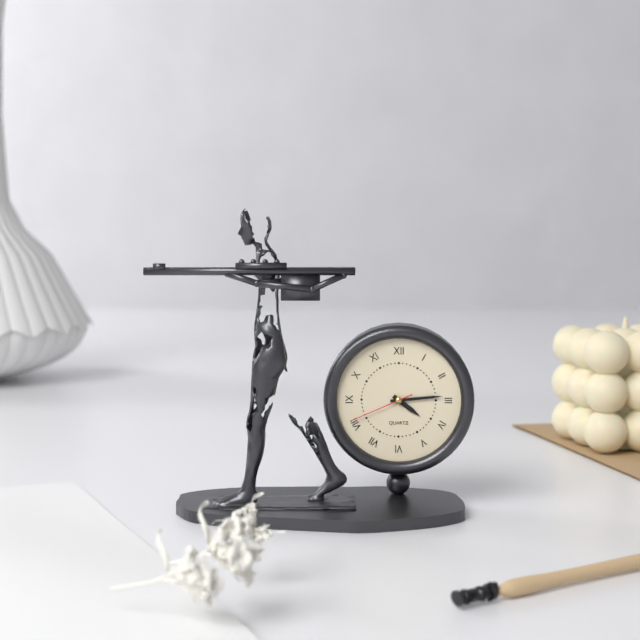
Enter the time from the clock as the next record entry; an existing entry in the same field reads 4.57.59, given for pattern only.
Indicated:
4.14.41
